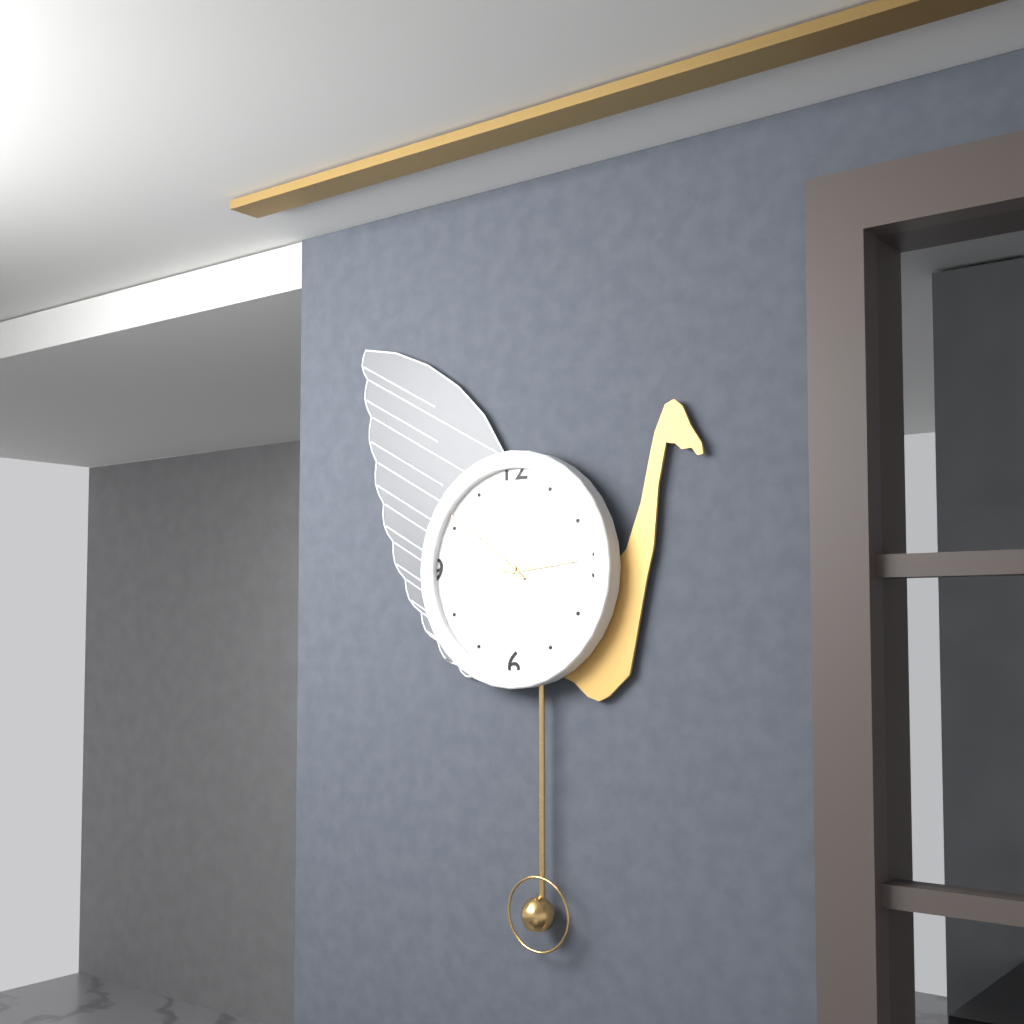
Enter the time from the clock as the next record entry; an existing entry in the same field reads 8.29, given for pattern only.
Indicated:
2.51
